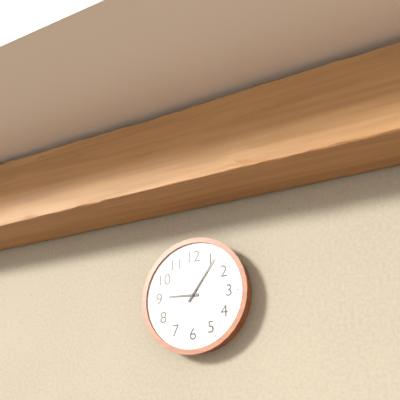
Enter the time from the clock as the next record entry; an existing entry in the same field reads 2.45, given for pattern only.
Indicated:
9.06
